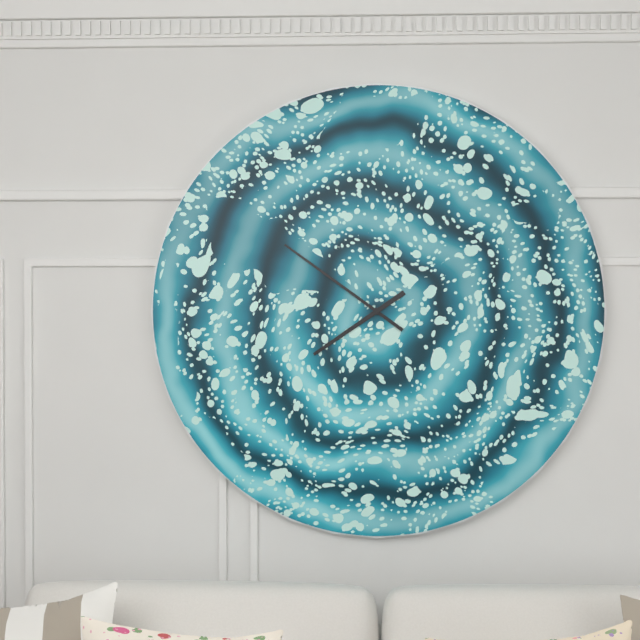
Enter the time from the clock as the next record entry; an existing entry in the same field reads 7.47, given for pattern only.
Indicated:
7.51
